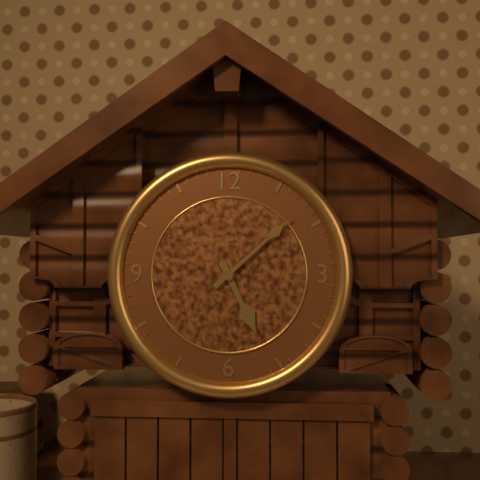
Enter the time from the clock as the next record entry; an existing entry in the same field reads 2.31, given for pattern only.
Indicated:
5.08
